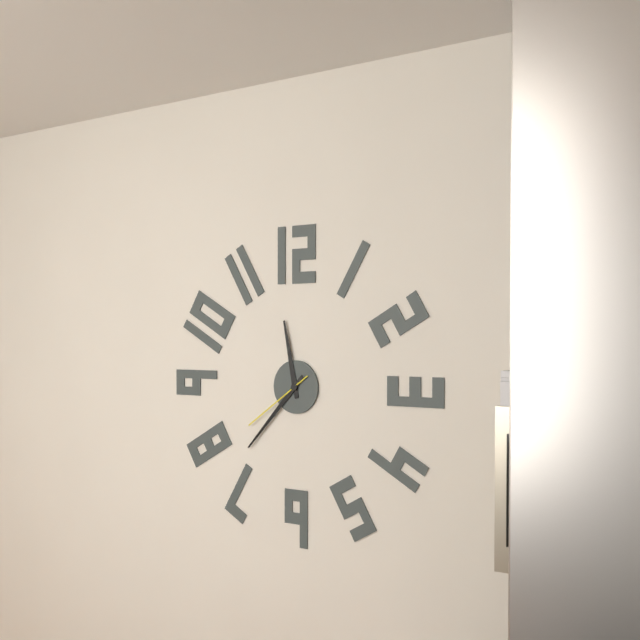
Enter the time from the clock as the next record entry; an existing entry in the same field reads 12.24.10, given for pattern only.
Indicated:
11.37.39
